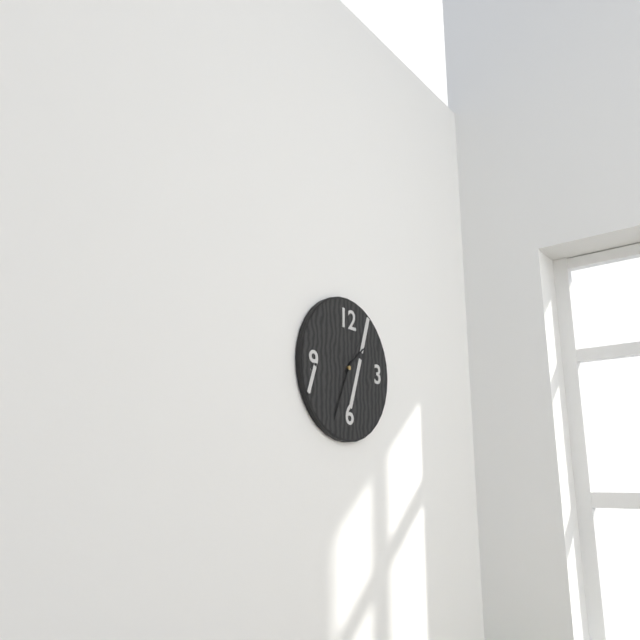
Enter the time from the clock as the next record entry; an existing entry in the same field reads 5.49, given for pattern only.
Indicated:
1.34
